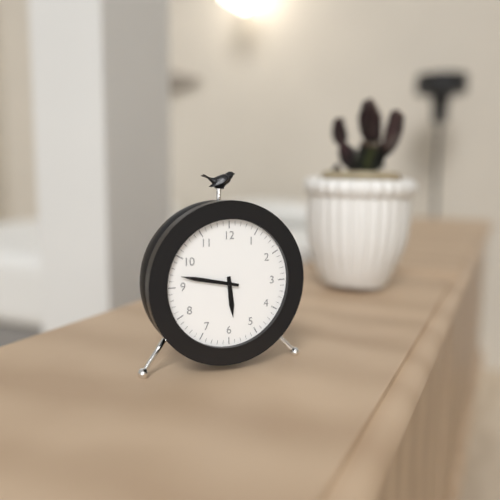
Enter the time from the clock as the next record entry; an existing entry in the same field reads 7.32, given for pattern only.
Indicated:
5.47
